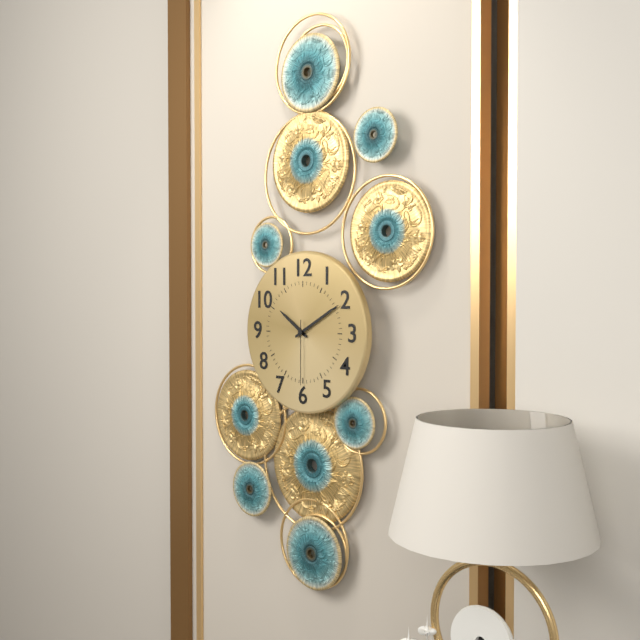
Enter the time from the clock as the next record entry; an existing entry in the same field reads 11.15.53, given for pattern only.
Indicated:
10.10.30
